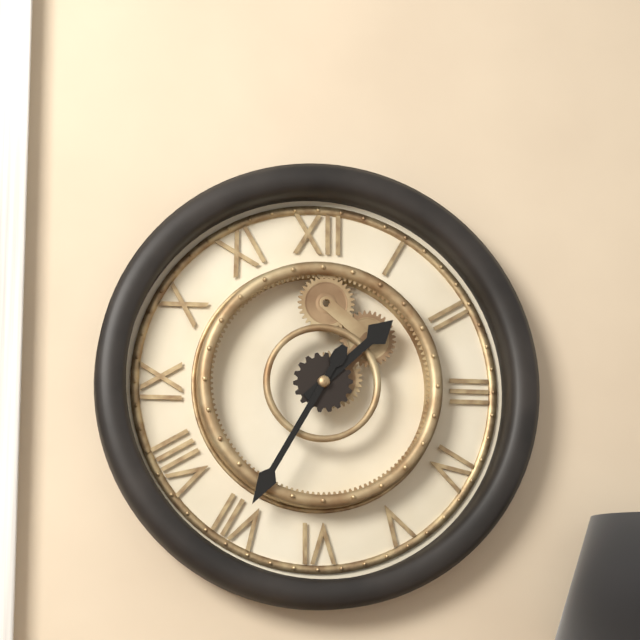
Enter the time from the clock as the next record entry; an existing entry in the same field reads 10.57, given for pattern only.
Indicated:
1.35
